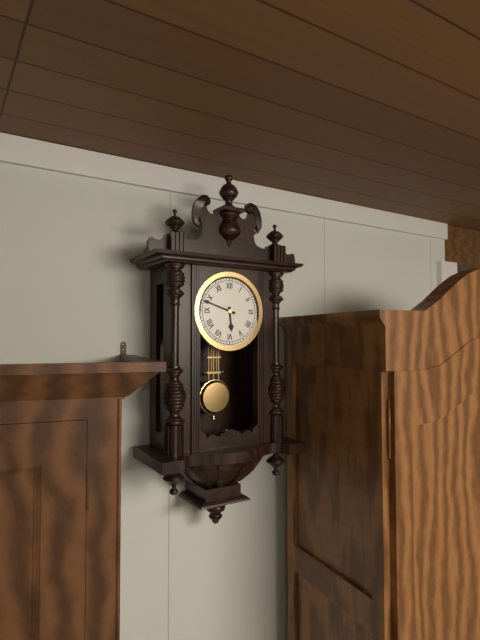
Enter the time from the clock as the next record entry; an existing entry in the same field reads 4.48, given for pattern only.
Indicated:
5.48
